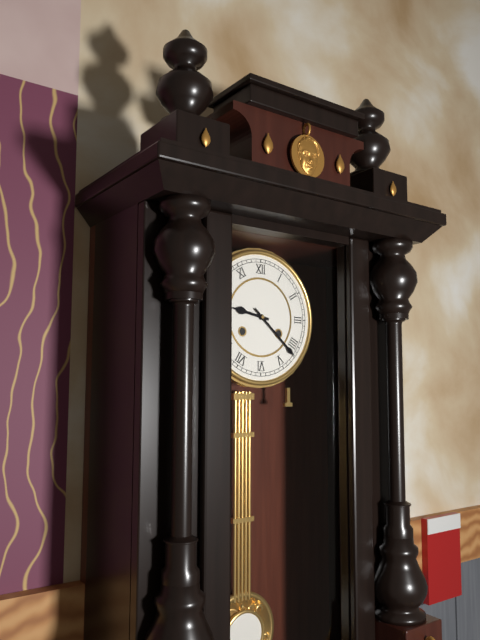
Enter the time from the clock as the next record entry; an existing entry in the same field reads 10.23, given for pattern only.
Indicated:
9.22
